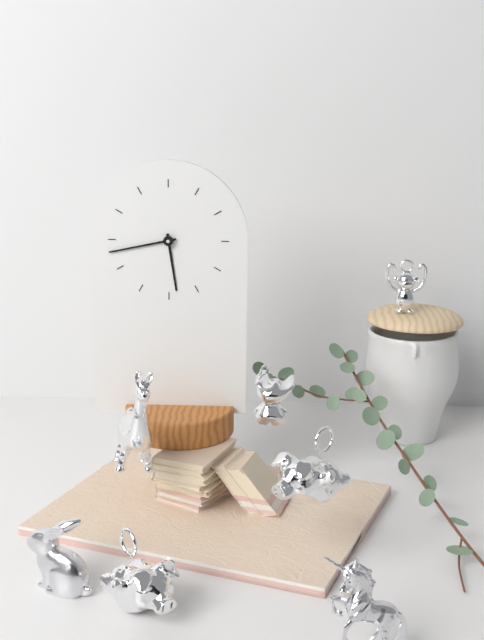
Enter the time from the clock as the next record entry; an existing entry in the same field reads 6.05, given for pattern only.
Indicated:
5.43
